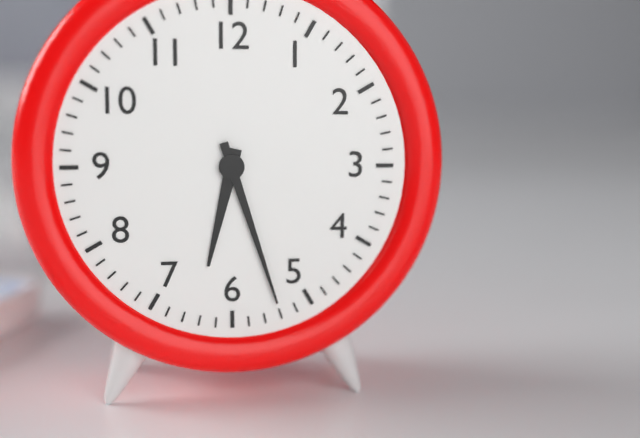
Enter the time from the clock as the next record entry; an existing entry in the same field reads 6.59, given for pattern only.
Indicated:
6.27
